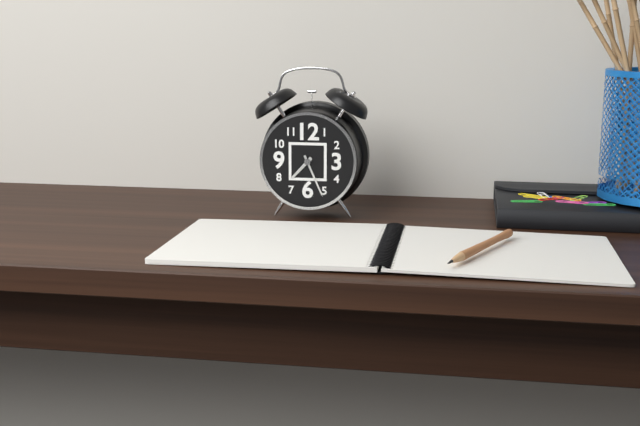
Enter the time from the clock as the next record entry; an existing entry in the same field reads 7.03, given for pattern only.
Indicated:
7.26
